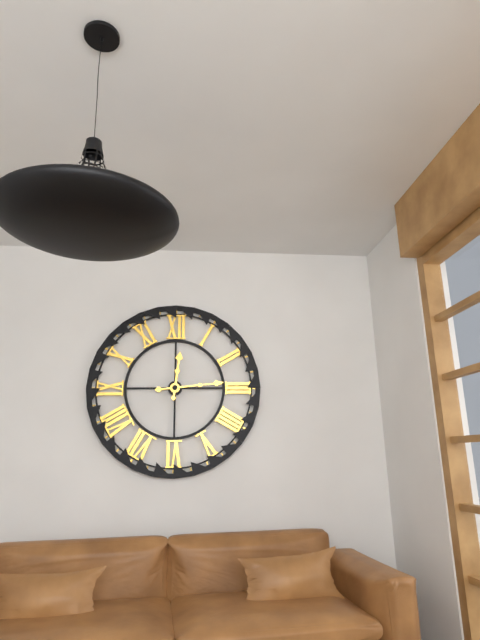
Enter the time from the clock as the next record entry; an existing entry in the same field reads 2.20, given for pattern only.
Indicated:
12.14
